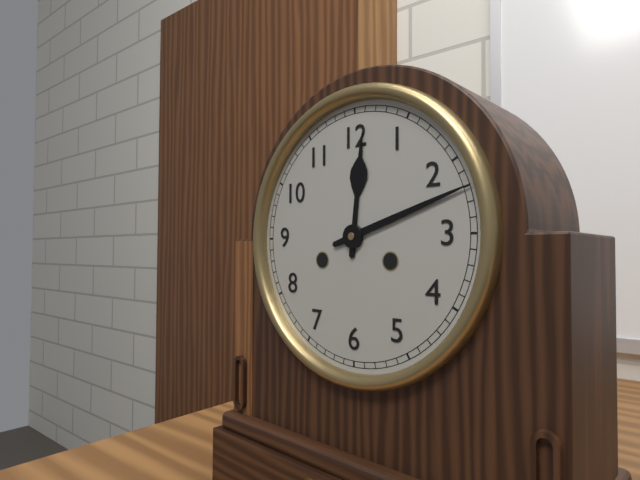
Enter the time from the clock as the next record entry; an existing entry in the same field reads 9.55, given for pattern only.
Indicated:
12.12
